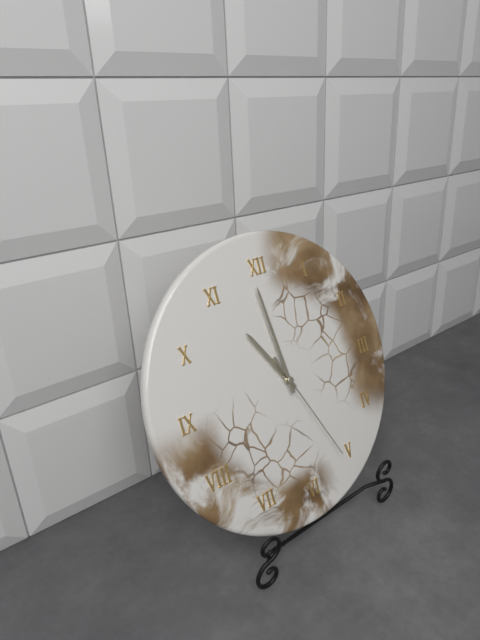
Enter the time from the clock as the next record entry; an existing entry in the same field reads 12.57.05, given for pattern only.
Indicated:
10.59.26
